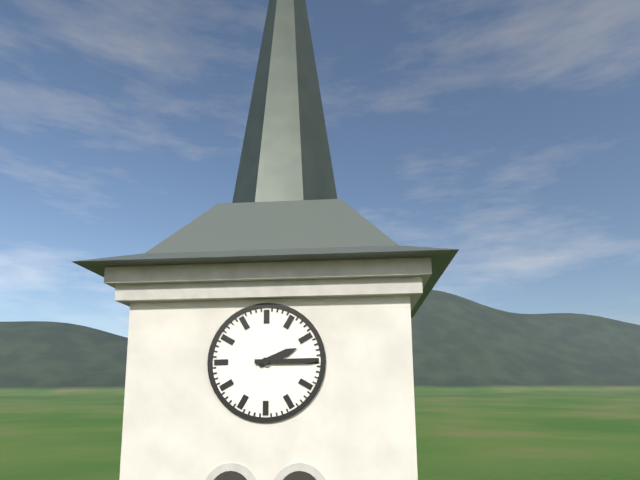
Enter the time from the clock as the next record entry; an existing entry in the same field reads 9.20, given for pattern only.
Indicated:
2.15
